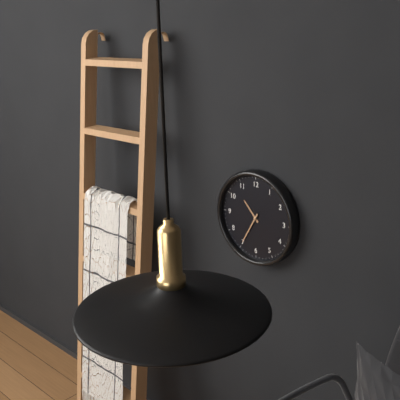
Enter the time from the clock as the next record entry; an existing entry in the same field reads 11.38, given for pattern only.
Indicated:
10.35
